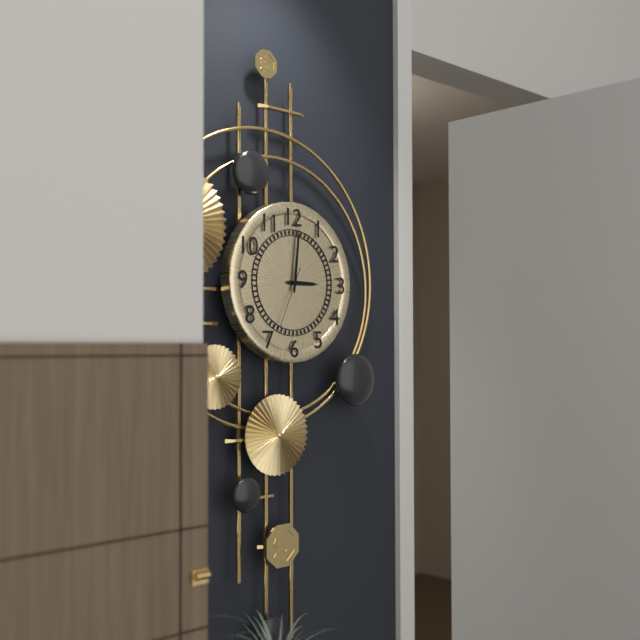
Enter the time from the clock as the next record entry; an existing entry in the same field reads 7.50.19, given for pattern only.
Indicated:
3.01.34
